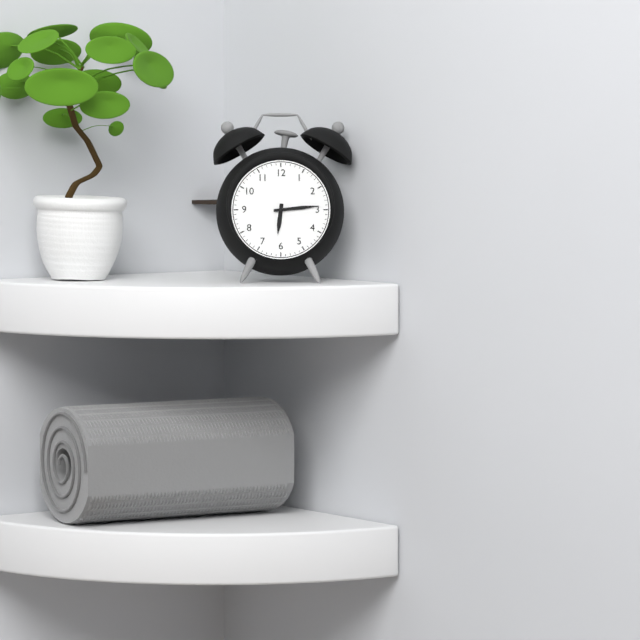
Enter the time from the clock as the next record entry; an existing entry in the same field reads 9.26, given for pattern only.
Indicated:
6.14
